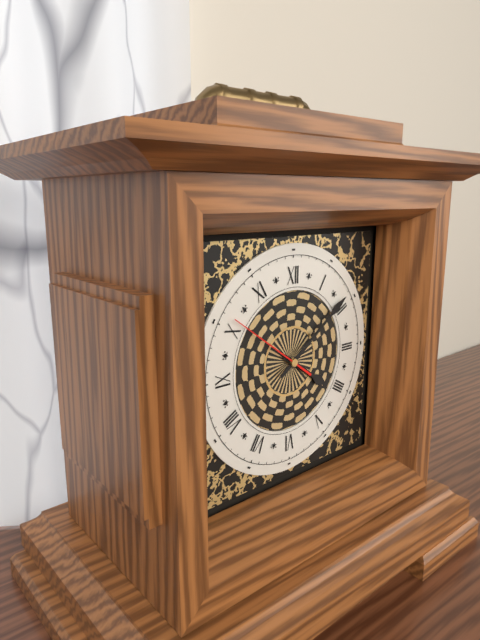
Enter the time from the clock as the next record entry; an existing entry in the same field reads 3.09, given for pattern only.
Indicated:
4.09
